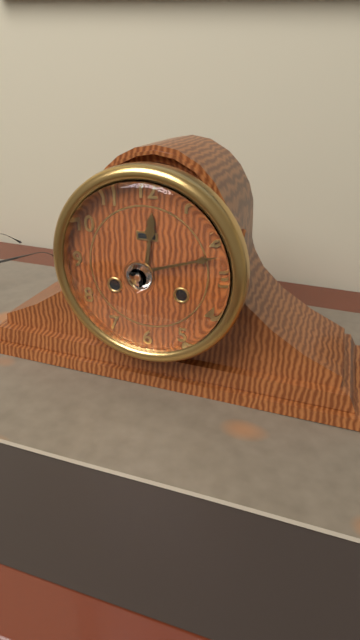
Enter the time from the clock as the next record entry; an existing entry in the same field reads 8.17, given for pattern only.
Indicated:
12.12
